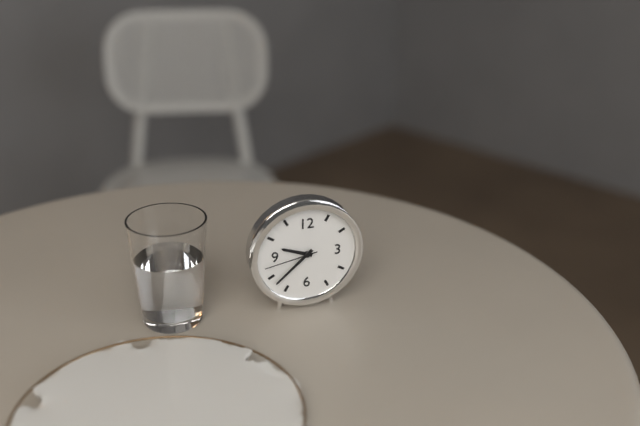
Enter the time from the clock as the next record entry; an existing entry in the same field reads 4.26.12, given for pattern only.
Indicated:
9.38.43
